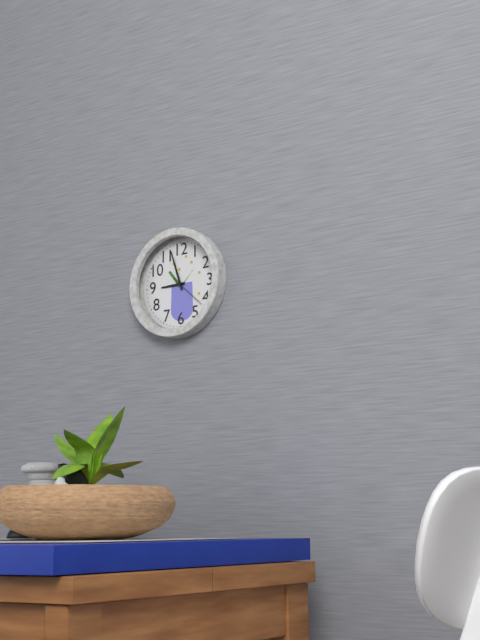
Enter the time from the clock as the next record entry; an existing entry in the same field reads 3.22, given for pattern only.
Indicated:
8.57
